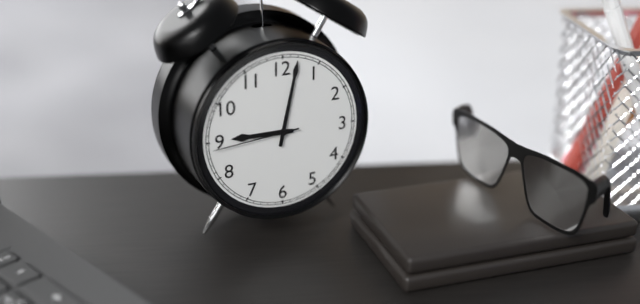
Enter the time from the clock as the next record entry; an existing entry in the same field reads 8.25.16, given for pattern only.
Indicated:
9.02.44
